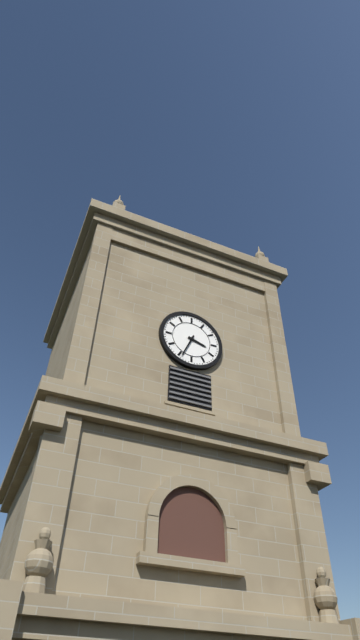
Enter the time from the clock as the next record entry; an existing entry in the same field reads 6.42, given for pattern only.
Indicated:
3.34
